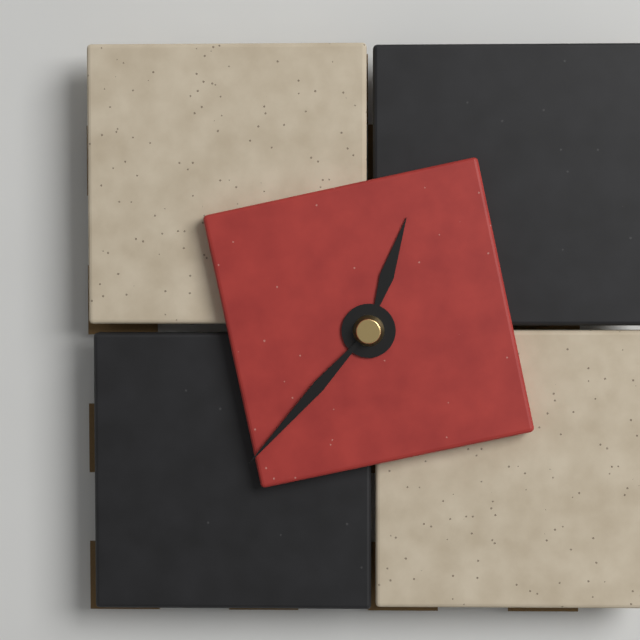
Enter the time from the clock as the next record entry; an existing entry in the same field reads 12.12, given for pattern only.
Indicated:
12.37
